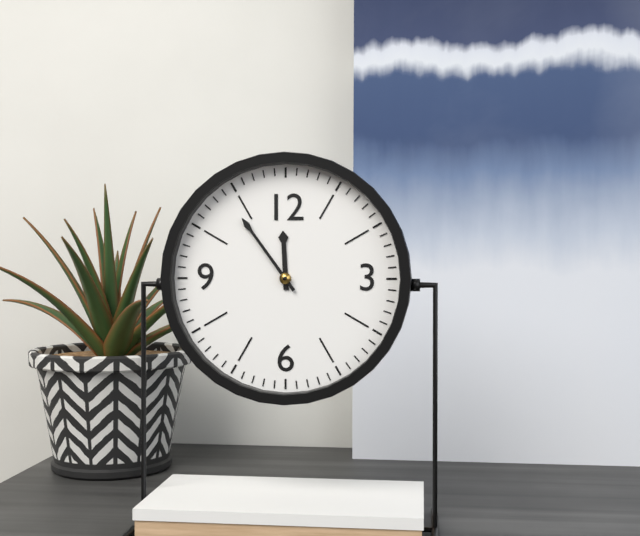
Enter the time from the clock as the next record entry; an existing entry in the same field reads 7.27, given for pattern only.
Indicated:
11.54
